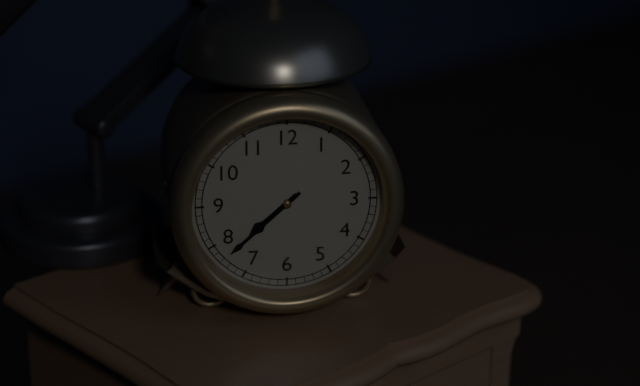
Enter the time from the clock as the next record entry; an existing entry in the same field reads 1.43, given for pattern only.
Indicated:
7.38
